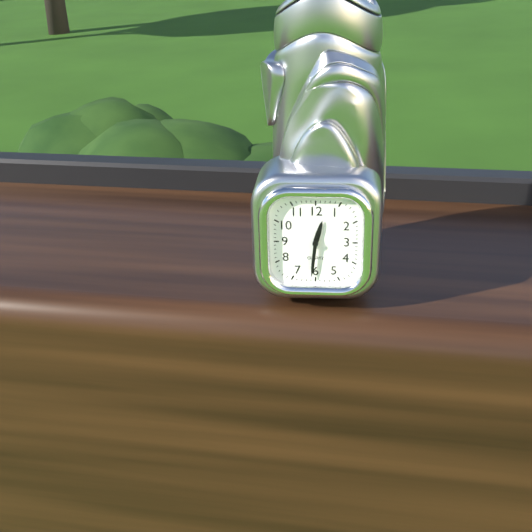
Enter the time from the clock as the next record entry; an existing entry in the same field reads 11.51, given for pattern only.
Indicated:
12.31
